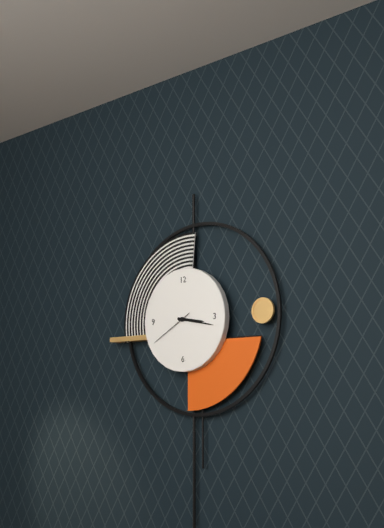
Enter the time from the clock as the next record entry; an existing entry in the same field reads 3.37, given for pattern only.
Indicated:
3.17
